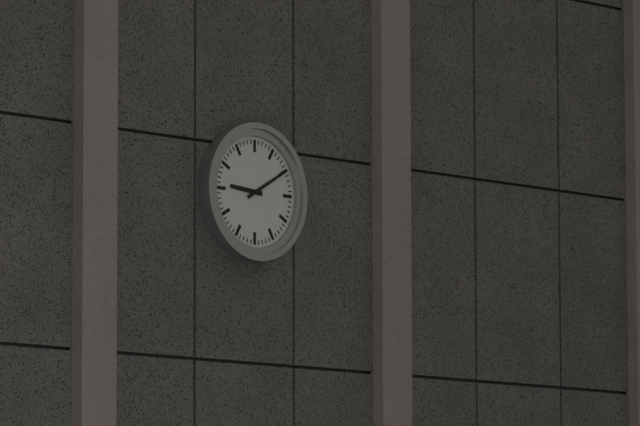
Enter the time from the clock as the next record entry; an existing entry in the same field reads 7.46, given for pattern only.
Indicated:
9.10
